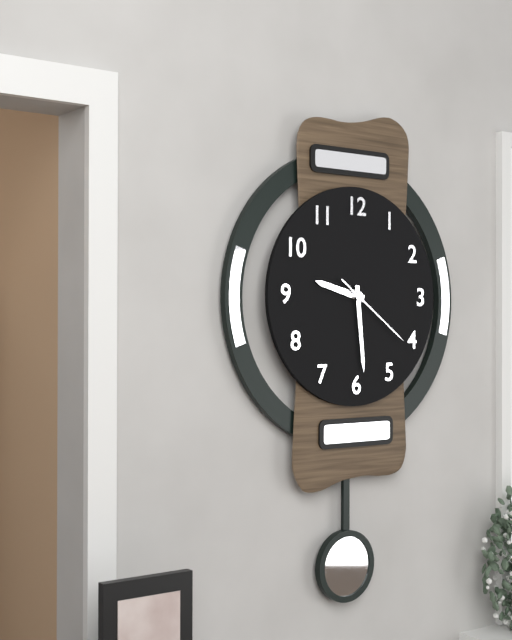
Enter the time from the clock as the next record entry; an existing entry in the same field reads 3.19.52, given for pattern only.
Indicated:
9.29.21
